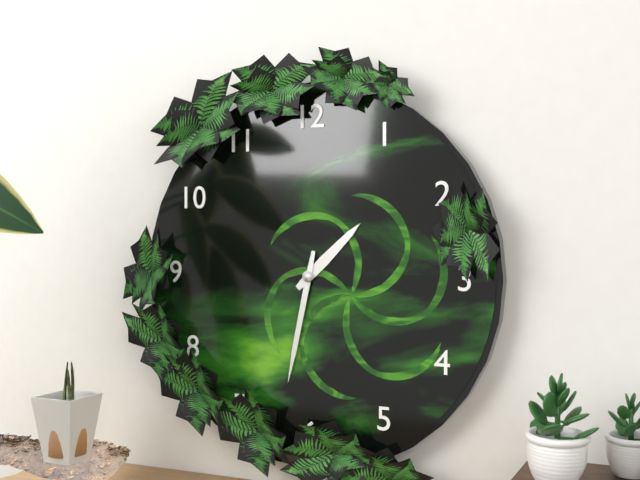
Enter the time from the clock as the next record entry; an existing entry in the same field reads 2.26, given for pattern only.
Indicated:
1.32
